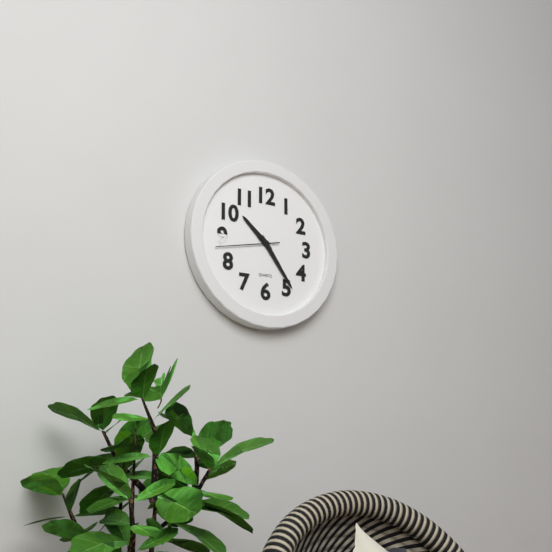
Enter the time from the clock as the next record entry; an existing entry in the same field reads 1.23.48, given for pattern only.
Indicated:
10.24.43
